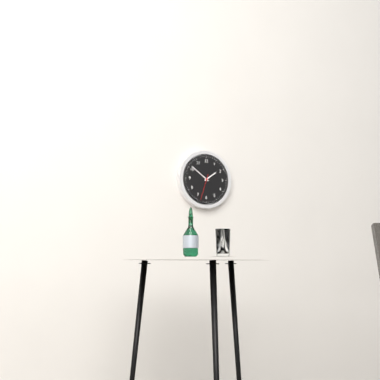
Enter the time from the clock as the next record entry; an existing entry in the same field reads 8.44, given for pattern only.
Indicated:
1.51
